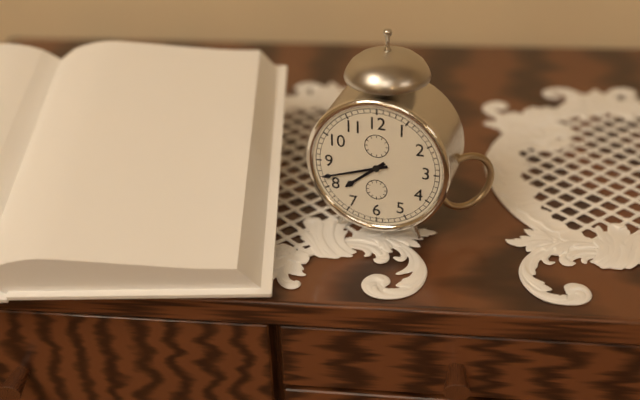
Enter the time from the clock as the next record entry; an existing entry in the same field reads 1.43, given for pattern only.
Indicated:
7.42
